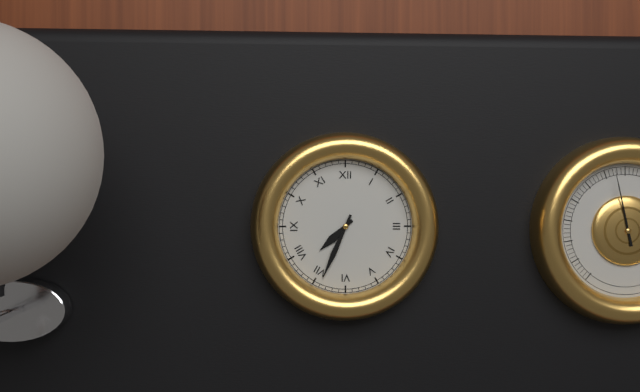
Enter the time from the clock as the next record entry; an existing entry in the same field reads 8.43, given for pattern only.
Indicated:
7.34
